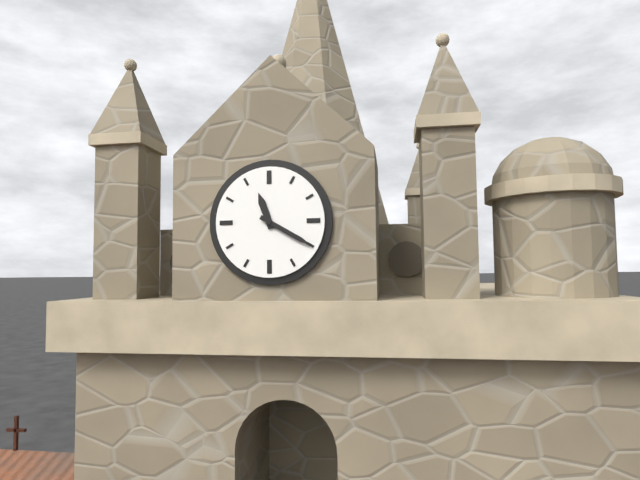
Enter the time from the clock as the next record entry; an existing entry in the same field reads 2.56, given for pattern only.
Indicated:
11.20
